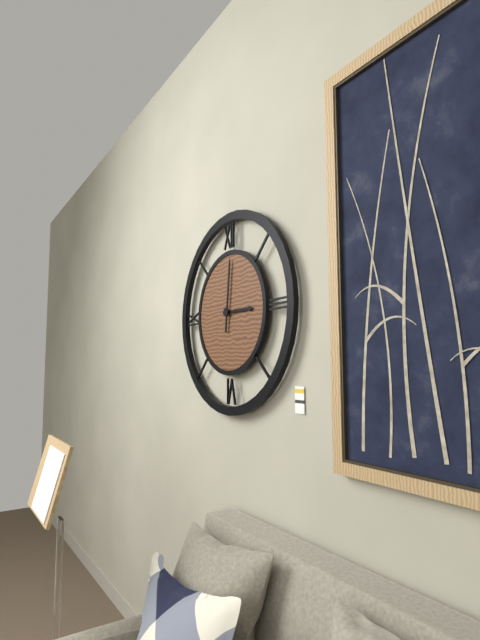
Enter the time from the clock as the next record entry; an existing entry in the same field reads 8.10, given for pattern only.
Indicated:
3.01
